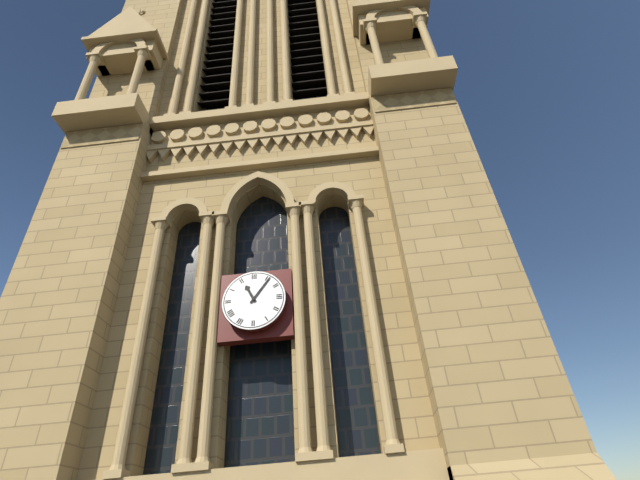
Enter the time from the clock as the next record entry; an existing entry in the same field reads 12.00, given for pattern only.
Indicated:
11.06
